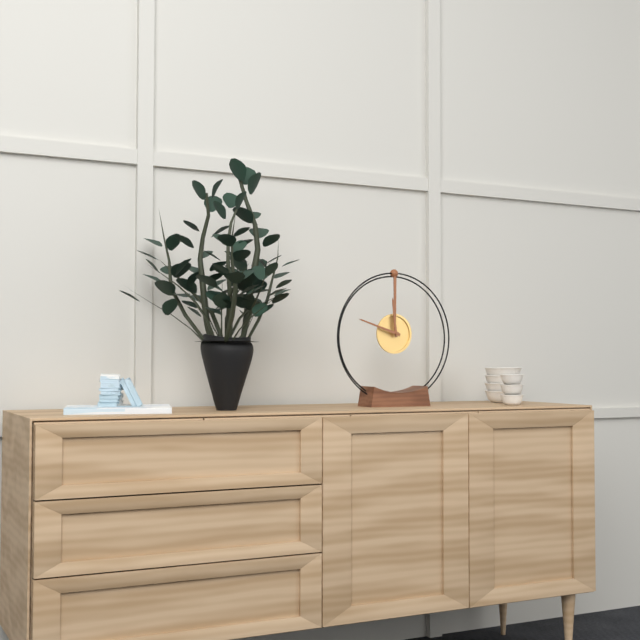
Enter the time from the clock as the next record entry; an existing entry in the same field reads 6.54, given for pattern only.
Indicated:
11.48
